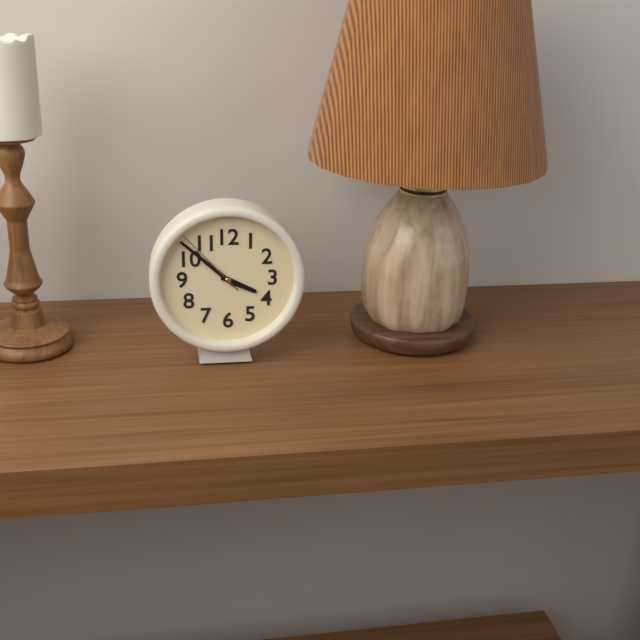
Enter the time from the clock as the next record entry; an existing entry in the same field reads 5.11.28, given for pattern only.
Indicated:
3.52.53
